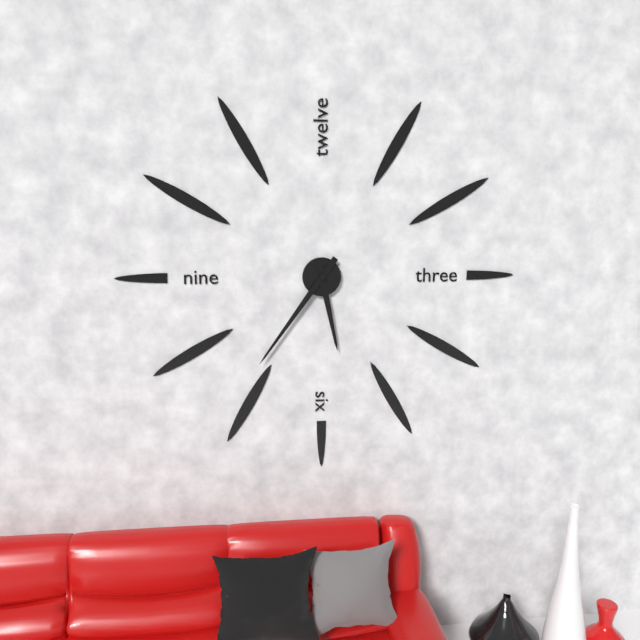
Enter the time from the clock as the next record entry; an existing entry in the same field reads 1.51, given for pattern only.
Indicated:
5.36
